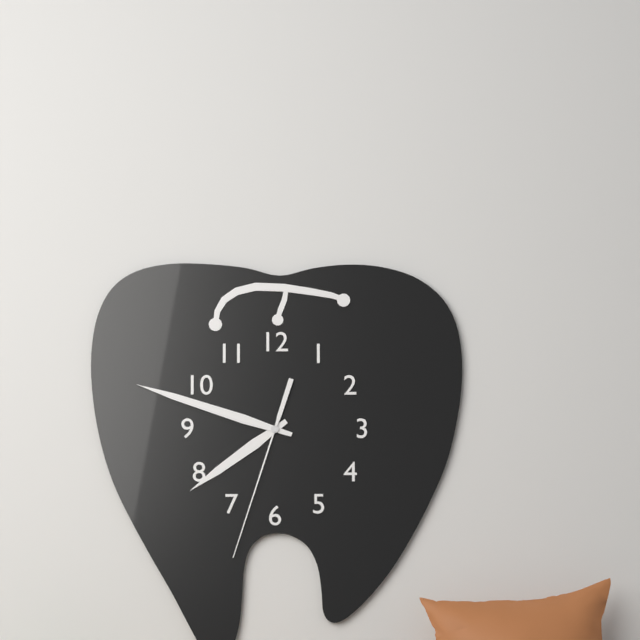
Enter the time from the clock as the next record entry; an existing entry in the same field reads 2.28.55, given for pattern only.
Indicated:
7.48.33
